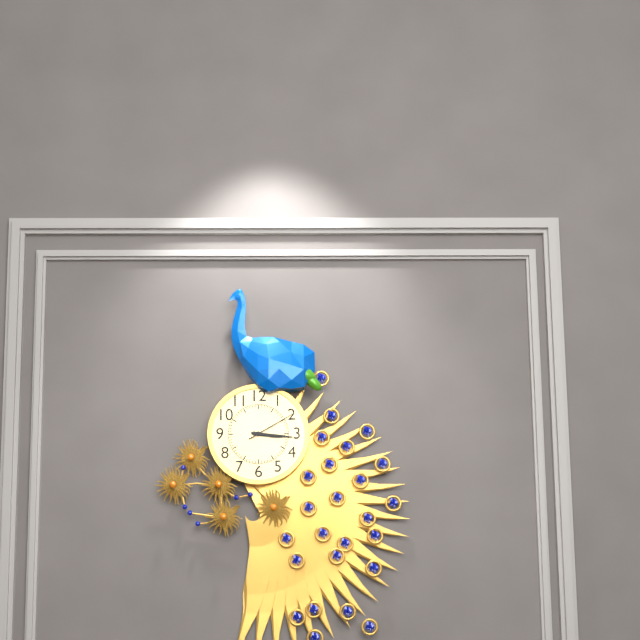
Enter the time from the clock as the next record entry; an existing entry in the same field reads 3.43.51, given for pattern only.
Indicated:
3.16.10
